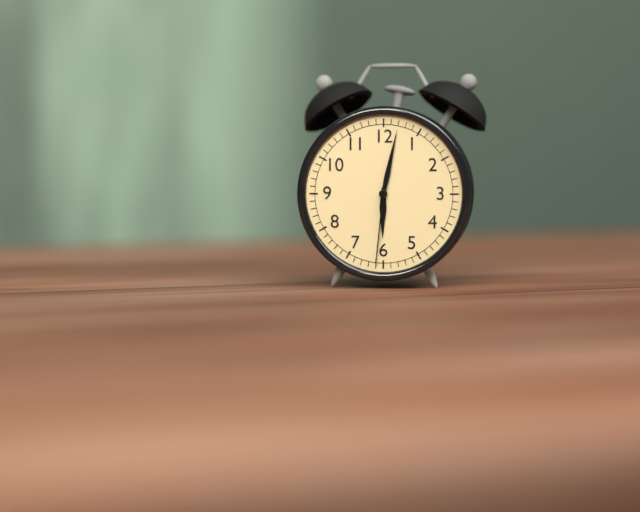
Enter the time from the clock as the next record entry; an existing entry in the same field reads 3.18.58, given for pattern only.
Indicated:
6.02.31
